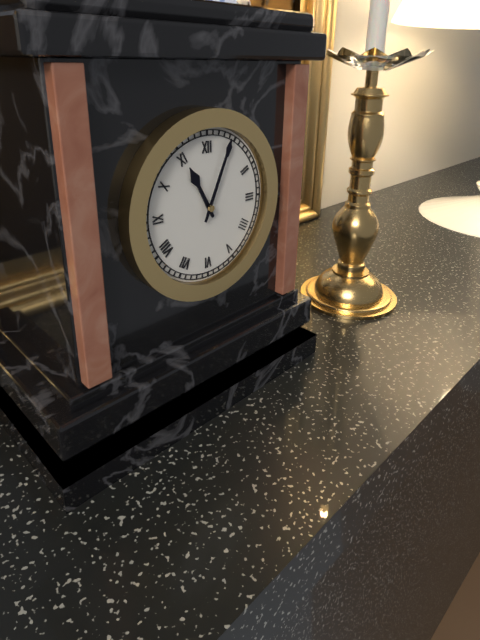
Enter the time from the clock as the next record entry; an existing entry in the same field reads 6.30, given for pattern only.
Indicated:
11.04
